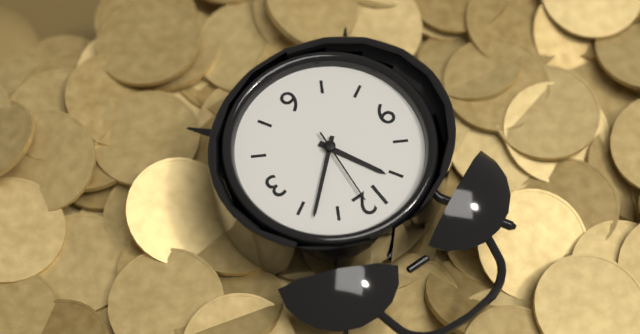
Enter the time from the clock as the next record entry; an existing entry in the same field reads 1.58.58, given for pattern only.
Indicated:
11.08.01
